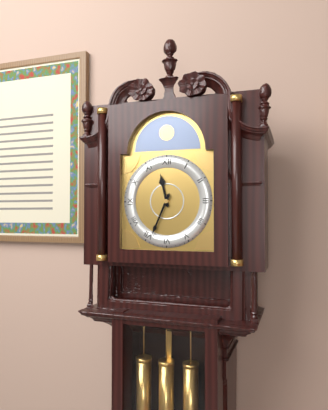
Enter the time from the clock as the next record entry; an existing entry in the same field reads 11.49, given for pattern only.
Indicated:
11.34
